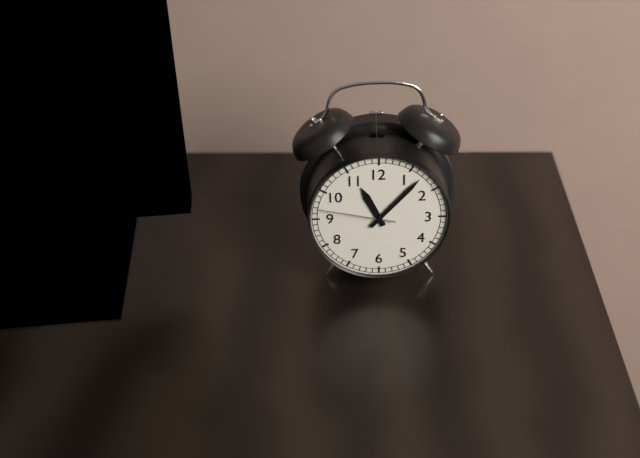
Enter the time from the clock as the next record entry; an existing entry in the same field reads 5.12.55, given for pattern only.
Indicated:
11.07.47
